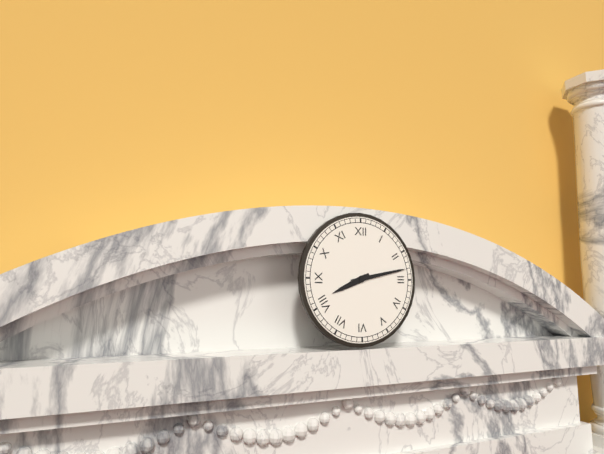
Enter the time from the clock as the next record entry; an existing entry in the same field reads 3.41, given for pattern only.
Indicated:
8.13
